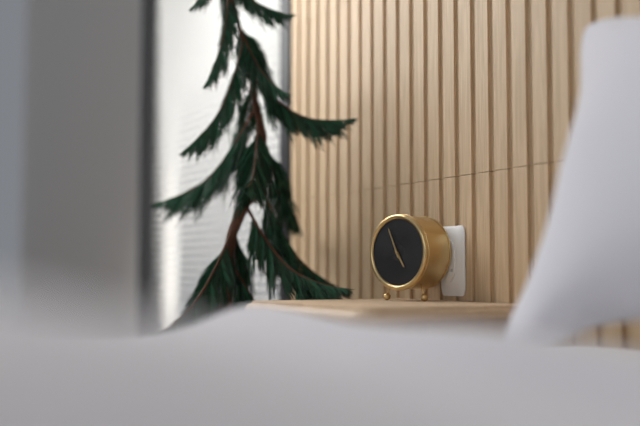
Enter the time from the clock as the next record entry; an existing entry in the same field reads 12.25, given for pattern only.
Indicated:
4.56
